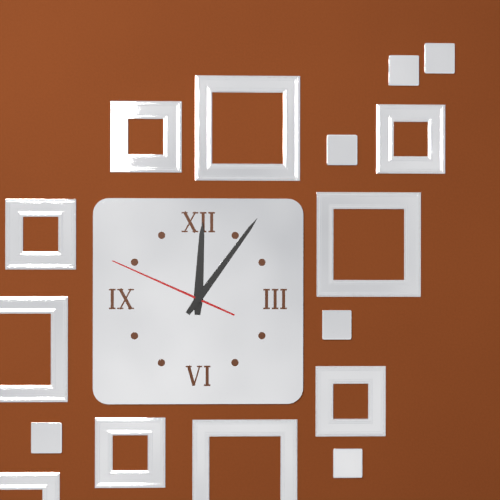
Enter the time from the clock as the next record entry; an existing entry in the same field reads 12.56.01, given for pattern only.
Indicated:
12.06.49
